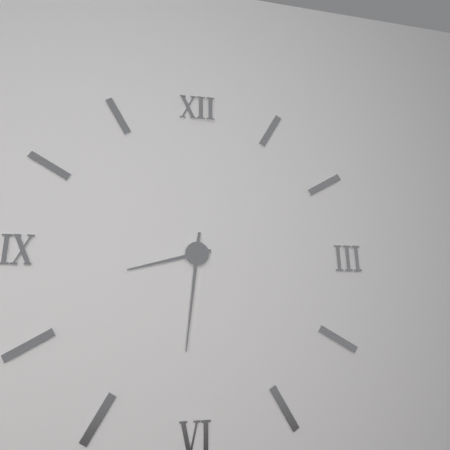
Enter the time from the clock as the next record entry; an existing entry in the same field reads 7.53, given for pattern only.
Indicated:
8.31
